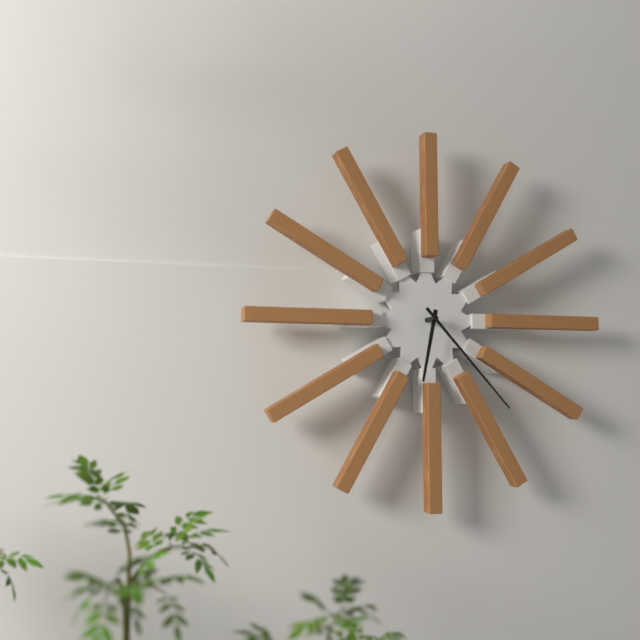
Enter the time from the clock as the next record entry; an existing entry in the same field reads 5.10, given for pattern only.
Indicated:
6.23
